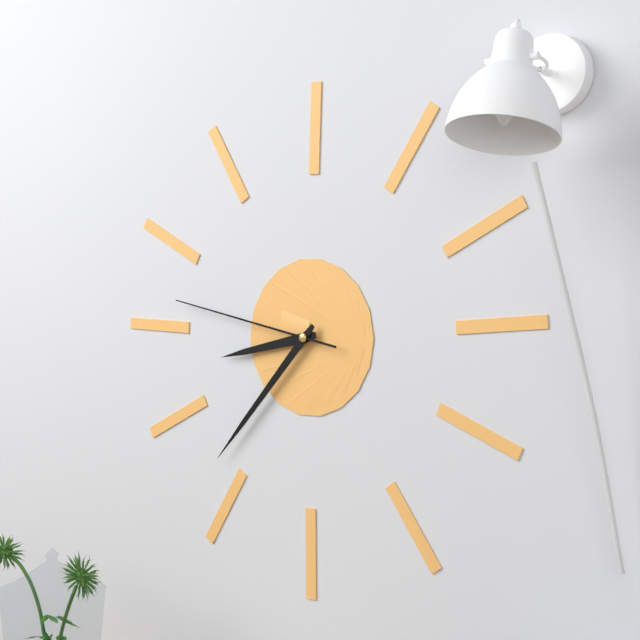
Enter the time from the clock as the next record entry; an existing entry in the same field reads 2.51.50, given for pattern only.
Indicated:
8.37.47
